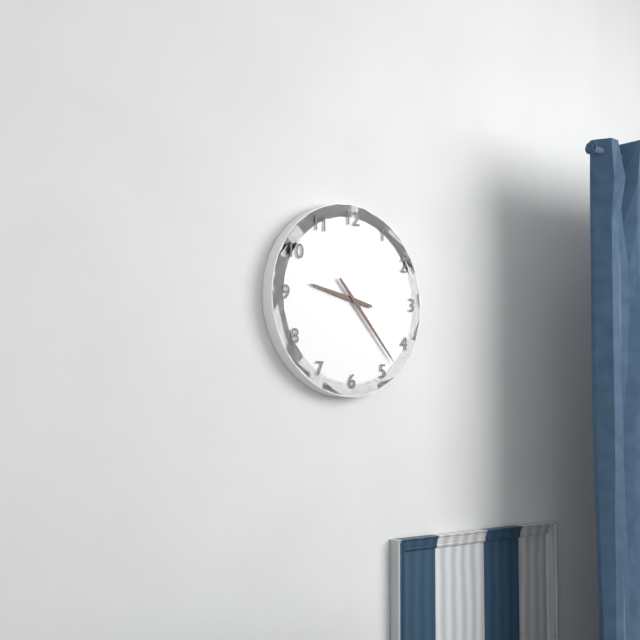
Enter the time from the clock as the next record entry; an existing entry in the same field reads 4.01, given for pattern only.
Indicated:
9.23
